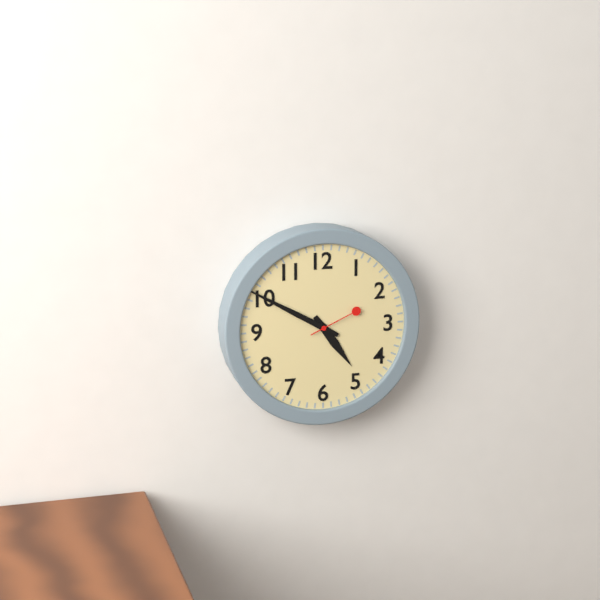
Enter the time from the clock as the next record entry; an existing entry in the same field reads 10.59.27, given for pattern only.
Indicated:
4.50.11
